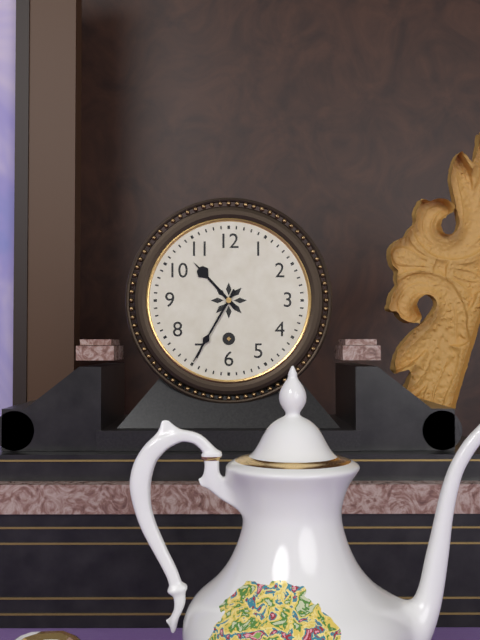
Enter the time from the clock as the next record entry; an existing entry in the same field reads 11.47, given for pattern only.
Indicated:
10.35
